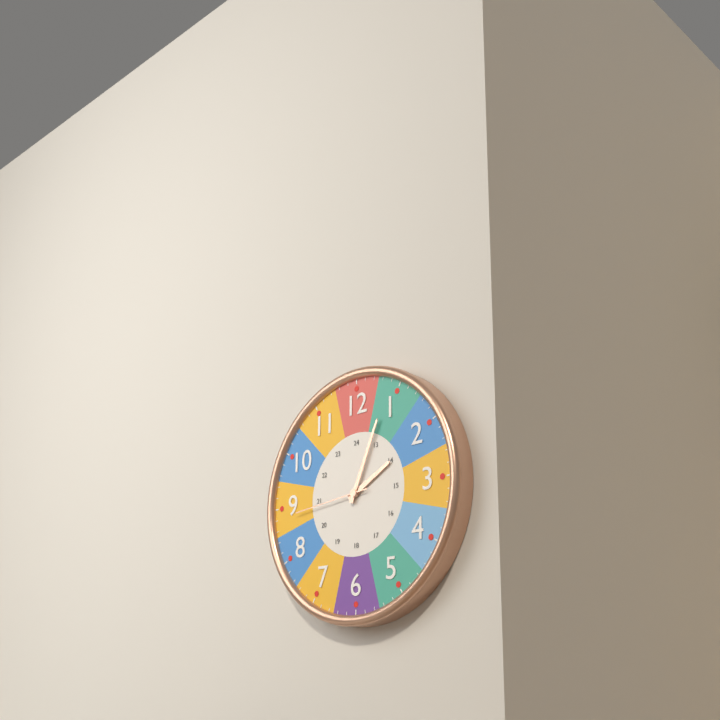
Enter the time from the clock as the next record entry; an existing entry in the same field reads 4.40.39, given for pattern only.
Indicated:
2.04.44
